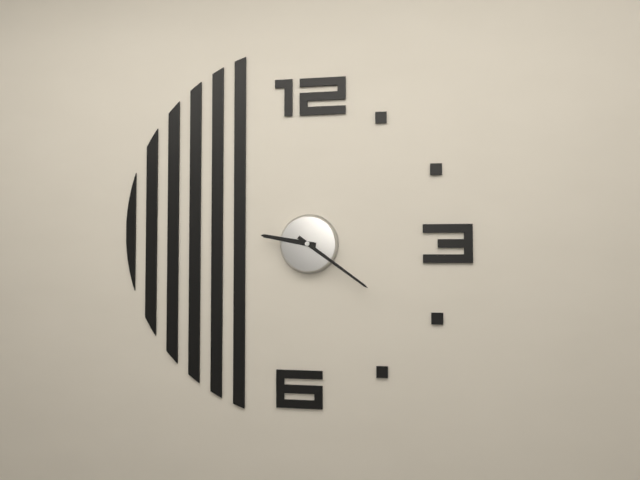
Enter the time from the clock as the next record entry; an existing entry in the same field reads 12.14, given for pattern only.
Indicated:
9.21
